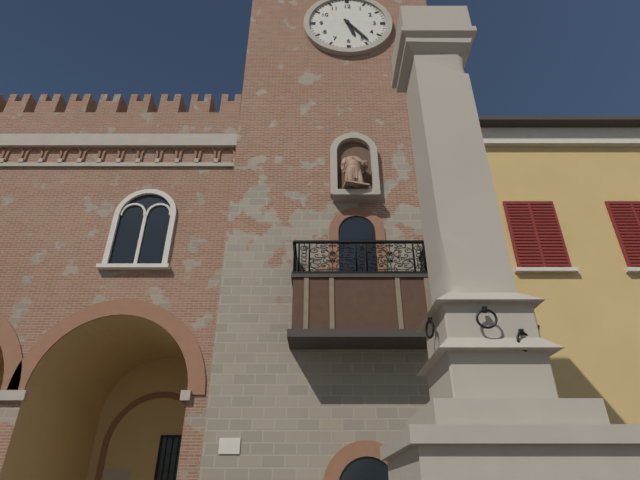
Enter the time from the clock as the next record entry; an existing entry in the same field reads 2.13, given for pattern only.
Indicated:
5.24
